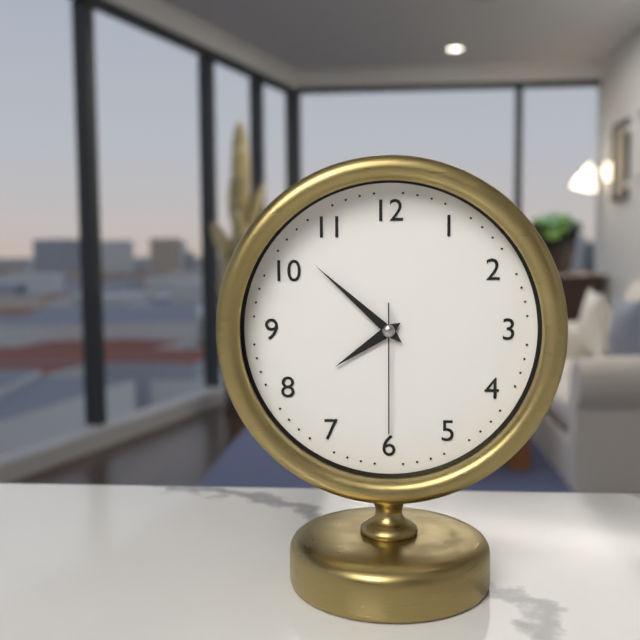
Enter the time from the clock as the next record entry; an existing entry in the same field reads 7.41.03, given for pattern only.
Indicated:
7.52.30
